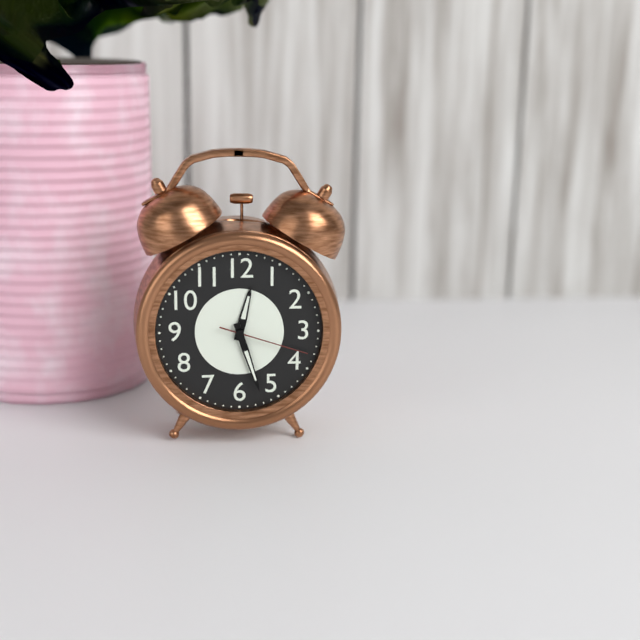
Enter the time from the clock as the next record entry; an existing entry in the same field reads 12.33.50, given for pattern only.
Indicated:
12.27.18
